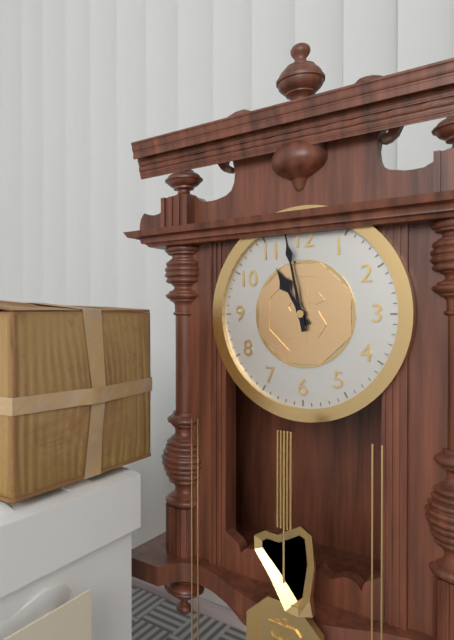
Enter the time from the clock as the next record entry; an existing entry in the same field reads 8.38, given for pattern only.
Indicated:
10.58
